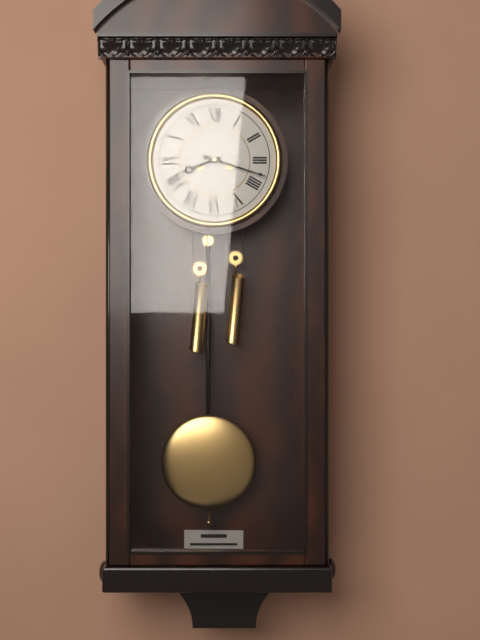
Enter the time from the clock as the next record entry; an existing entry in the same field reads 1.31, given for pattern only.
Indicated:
8.18
